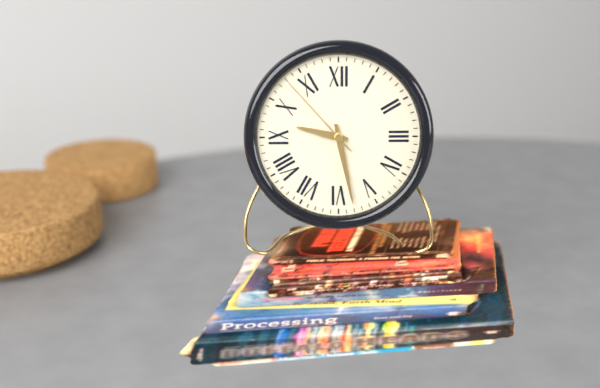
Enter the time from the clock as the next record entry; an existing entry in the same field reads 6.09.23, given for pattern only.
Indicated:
9.28.53
